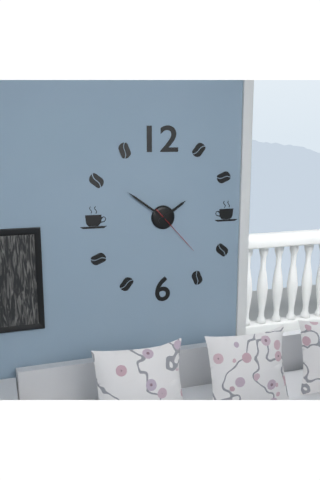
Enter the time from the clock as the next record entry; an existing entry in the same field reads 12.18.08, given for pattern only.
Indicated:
1.51.23
